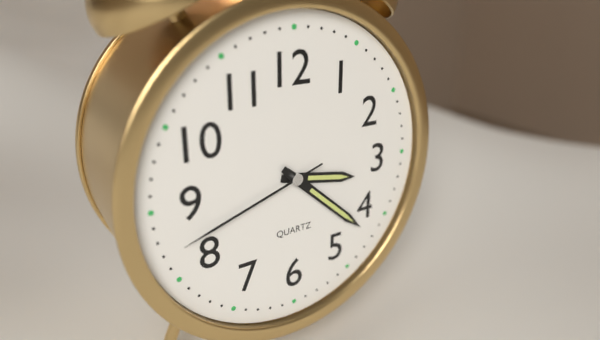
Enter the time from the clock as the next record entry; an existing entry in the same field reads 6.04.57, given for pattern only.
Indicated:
3.22.42
